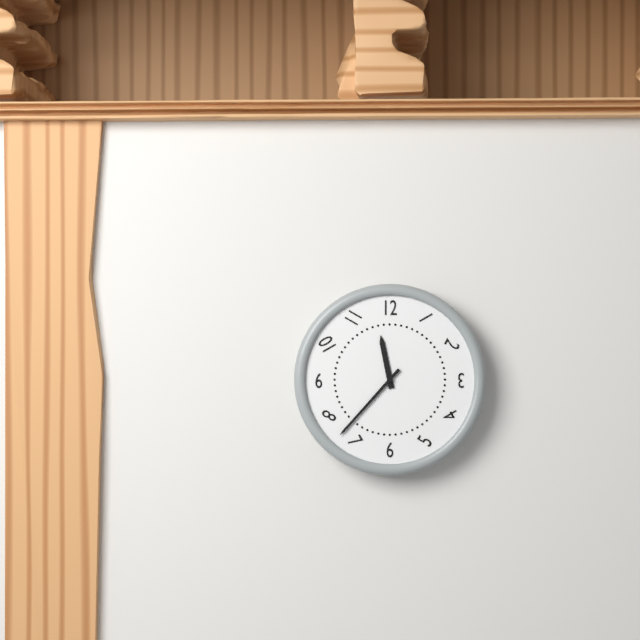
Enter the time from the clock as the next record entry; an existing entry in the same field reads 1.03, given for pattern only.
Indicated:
11.37
